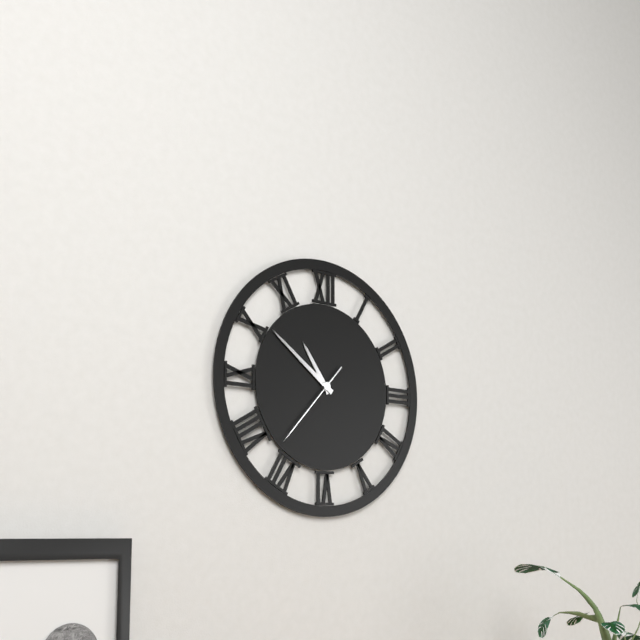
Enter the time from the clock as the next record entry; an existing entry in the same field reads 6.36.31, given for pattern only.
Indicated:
10.51.37
